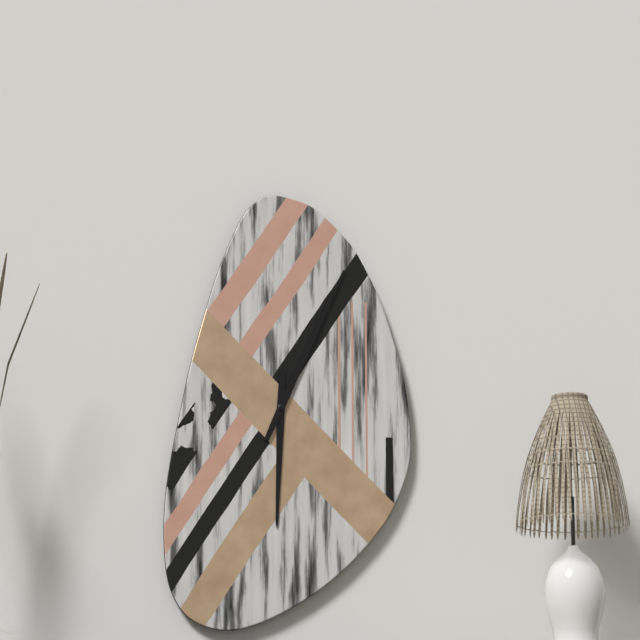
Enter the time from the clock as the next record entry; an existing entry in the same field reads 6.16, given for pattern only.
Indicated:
6.04
